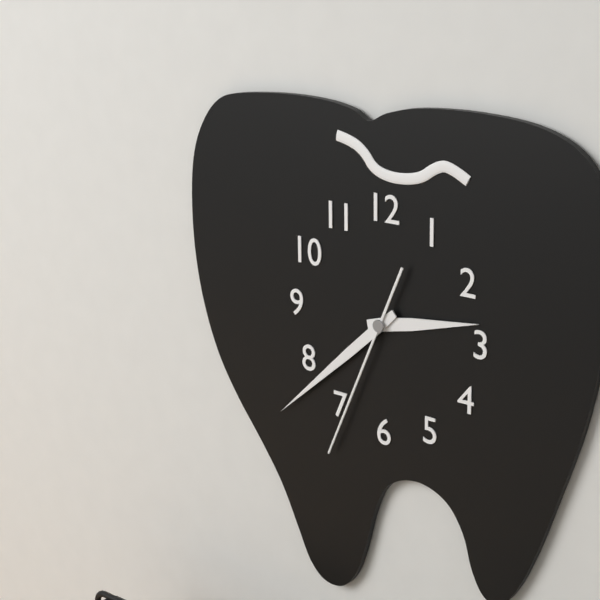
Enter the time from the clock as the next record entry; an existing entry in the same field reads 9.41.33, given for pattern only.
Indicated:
2.38.34
